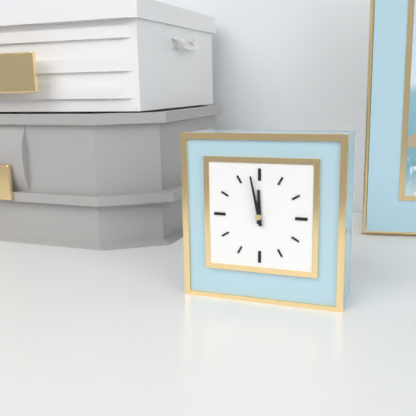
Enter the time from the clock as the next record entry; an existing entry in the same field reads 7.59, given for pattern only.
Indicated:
11.58
